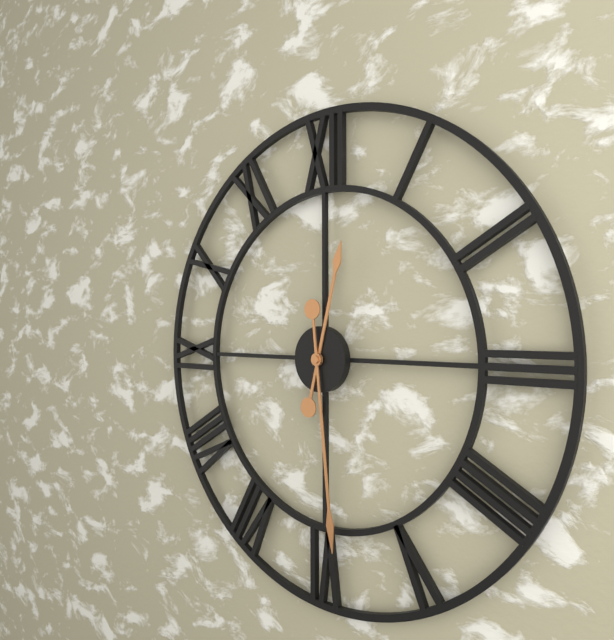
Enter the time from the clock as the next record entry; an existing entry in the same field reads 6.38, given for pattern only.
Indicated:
12.29
